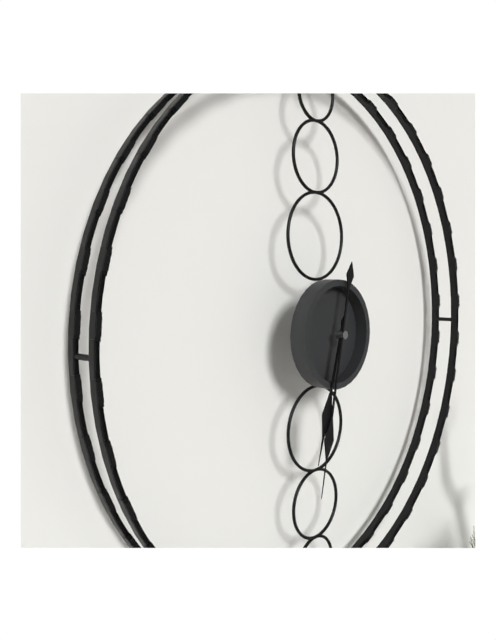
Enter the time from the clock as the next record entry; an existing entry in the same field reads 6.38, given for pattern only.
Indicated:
6.32
